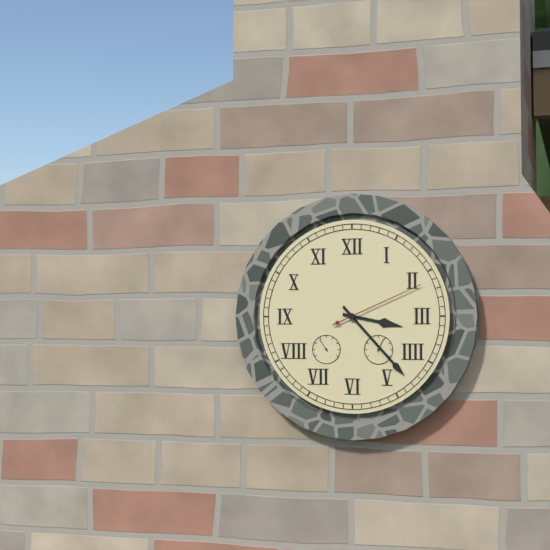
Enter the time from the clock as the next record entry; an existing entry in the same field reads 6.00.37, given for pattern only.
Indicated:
3.23.11
